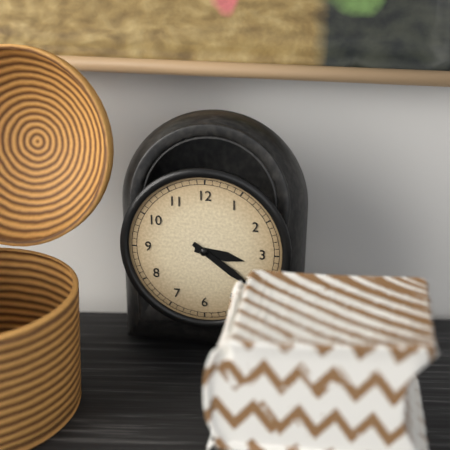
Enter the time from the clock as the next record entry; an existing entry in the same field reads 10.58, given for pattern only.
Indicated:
3.21
